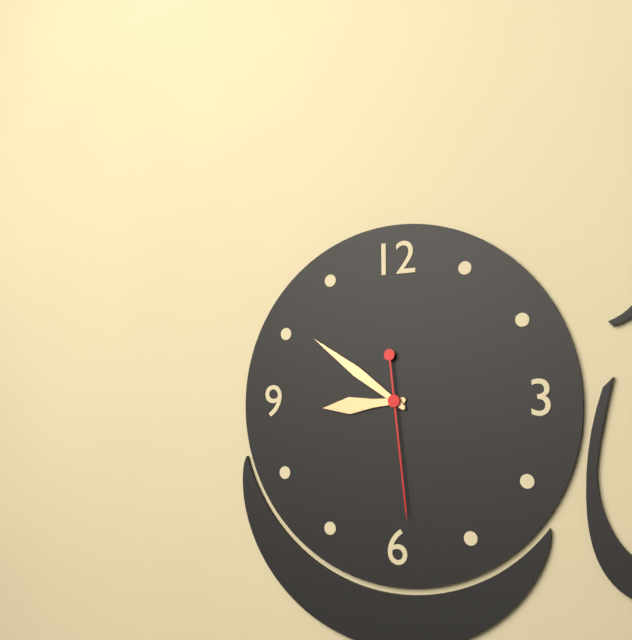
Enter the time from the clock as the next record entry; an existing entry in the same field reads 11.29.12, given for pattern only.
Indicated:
8.51.29
